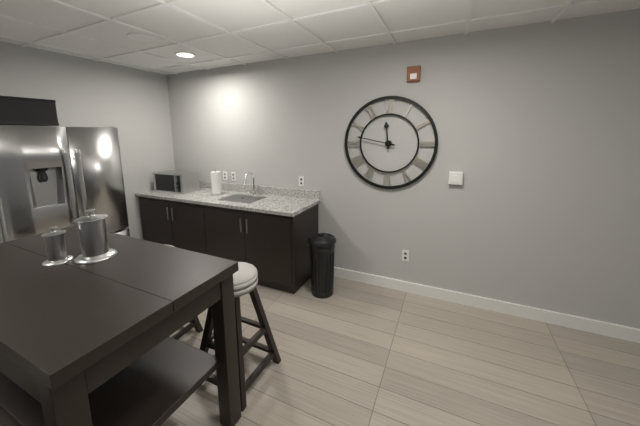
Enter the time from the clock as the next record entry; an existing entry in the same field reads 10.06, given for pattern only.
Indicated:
11.47
